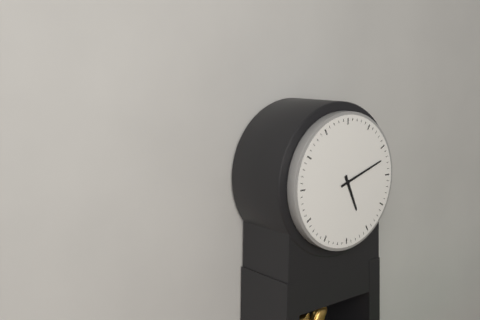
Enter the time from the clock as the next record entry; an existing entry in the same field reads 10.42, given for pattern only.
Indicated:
5.12
